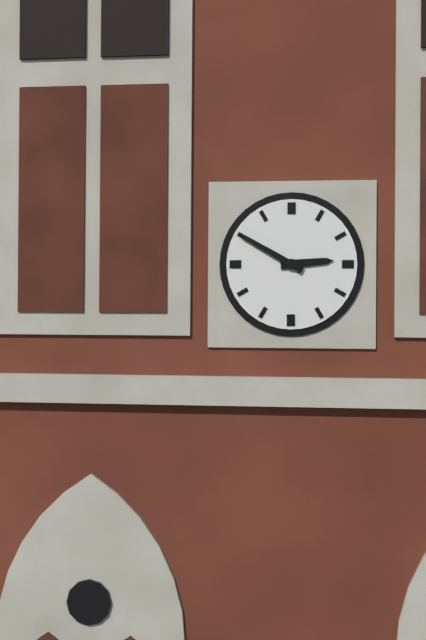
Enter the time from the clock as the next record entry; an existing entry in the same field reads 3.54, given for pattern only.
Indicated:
2.50
